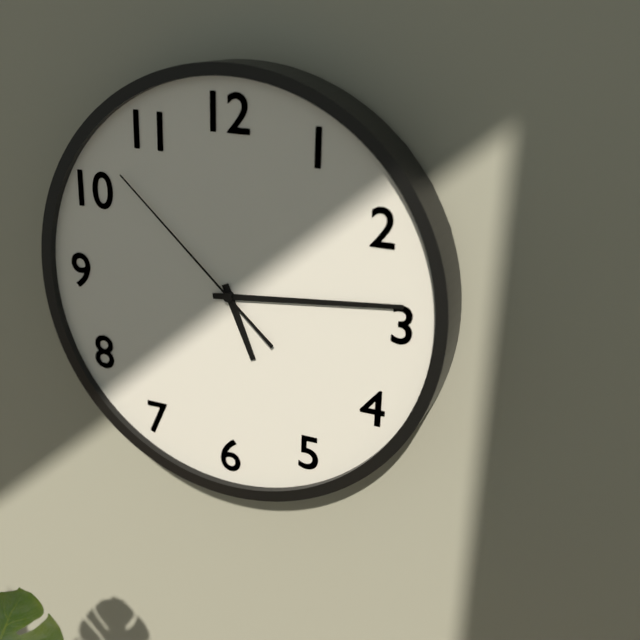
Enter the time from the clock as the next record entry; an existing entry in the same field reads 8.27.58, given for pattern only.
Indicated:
5.14.52
